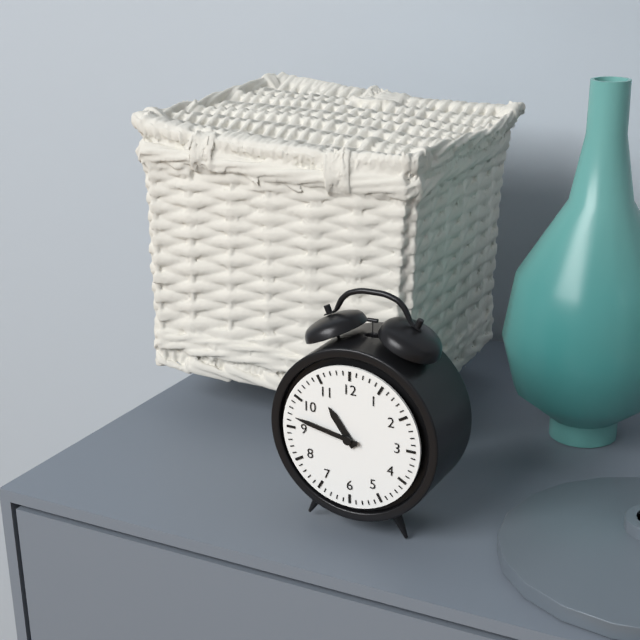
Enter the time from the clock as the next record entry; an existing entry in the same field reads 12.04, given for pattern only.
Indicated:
10.47
